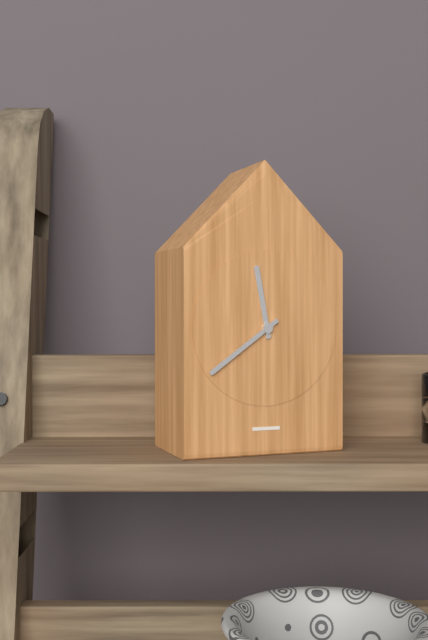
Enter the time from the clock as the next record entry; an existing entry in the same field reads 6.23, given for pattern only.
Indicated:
11.39
